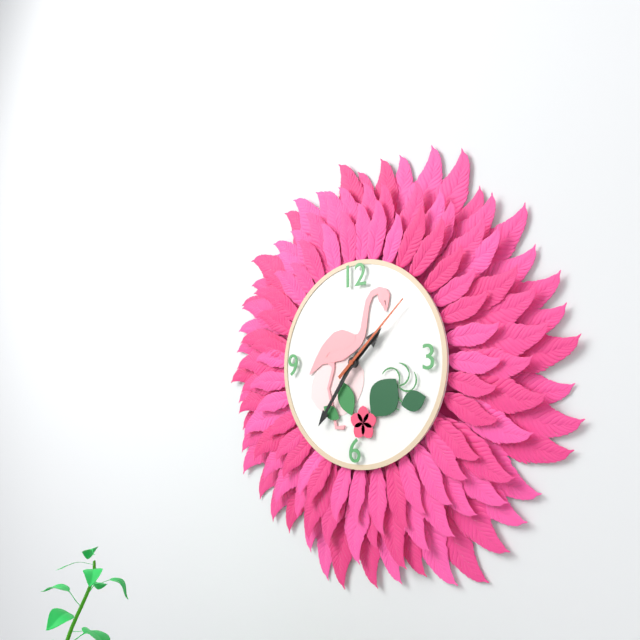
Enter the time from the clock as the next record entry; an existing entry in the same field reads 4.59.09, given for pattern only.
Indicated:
1.36.08
